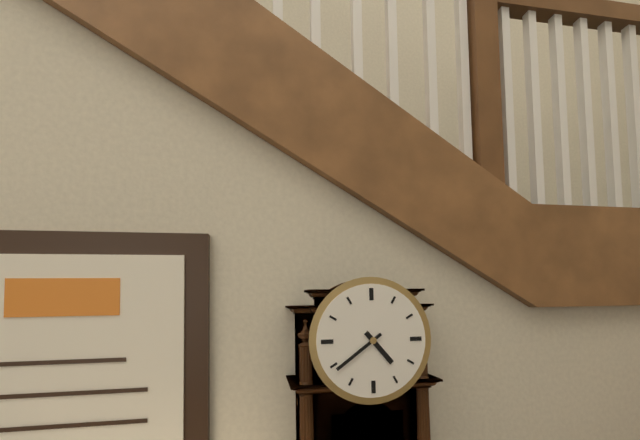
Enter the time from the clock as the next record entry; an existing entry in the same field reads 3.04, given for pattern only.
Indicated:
4.39
